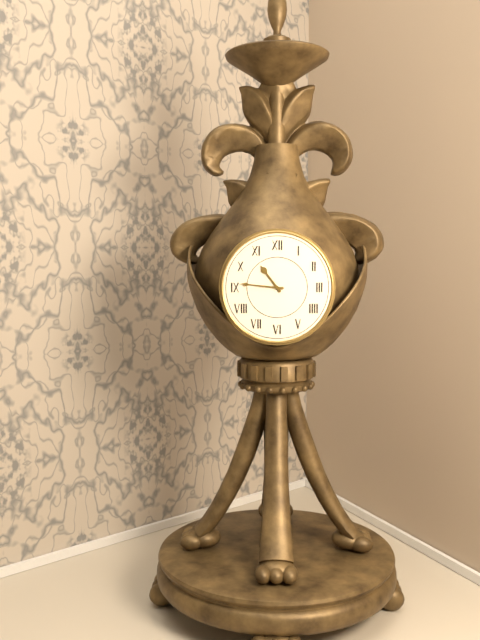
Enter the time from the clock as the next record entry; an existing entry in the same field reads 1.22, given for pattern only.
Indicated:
10.46
